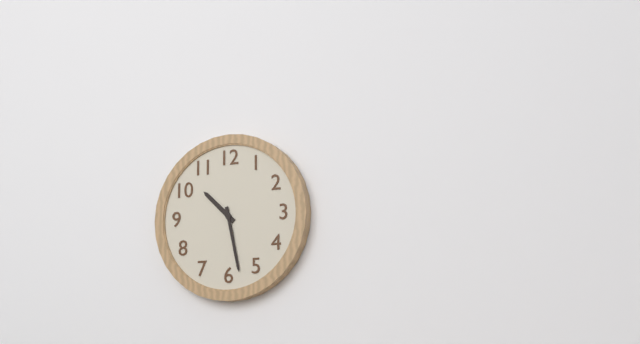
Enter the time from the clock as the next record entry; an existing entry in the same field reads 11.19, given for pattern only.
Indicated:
10.28
